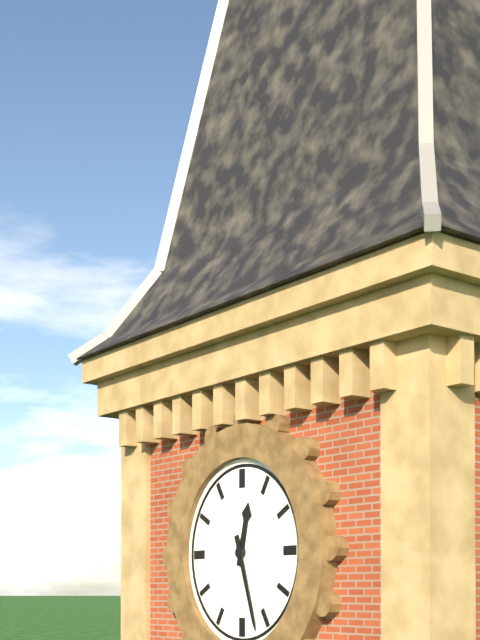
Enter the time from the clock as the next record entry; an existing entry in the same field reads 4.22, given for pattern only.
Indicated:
12.27
